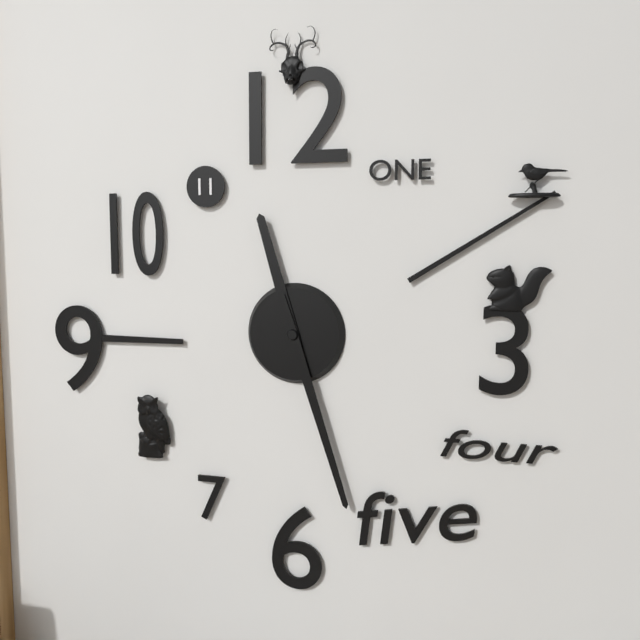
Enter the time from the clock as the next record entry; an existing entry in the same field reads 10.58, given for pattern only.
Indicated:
11.27
